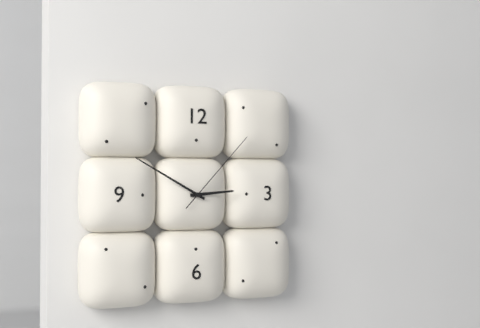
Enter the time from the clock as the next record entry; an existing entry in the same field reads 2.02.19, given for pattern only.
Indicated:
2.50.07
